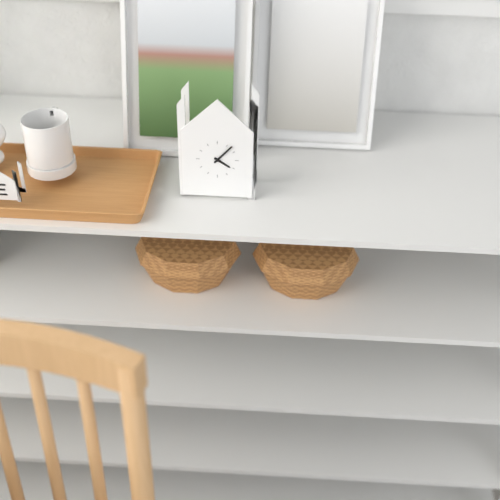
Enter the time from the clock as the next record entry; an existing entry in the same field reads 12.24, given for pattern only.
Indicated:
4.07
